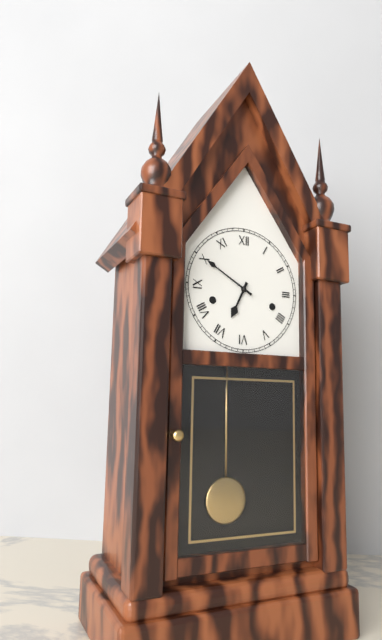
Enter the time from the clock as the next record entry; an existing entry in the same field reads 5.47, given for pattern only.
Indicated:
6.50
